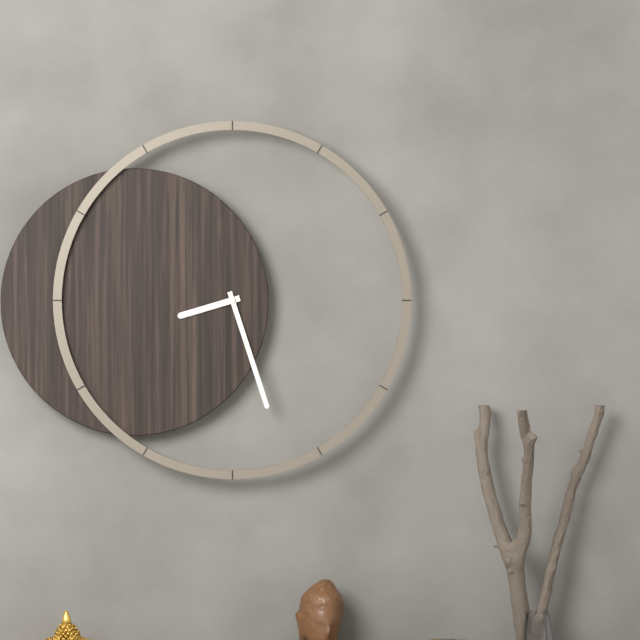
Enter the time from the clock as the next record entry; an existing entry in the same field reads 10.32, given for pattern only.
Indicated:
8.27
